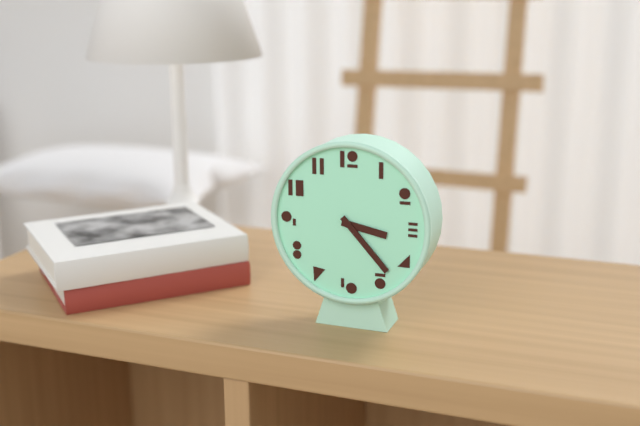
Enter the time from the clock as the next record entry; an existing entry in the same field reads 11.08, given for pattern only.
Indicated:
3.23
